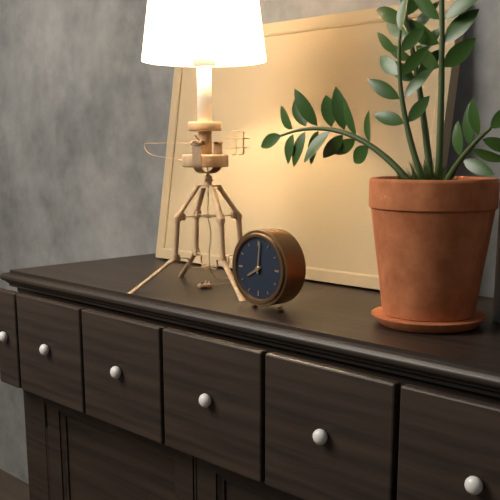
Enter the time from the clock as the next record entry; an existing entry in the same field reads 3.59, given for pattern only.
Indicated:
8.01
